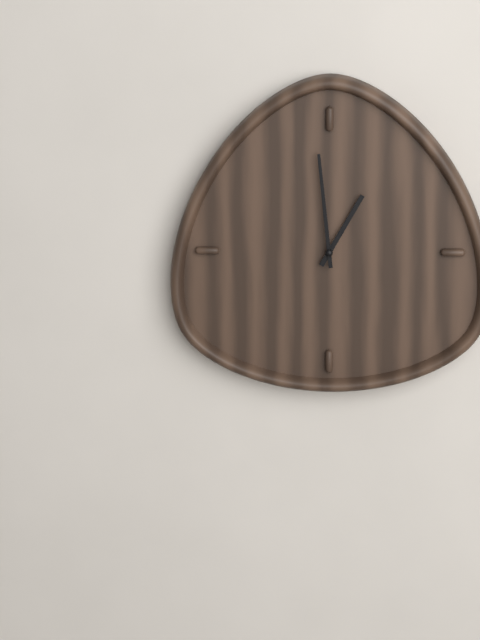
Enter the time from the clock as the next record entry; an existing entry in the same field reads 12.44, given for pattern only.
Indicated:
12.59
